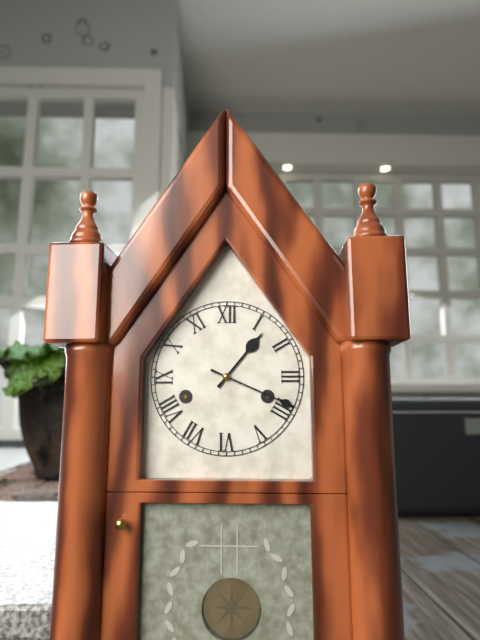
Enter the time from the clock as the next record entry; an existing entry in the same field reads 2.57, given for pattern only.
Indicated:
1.19
